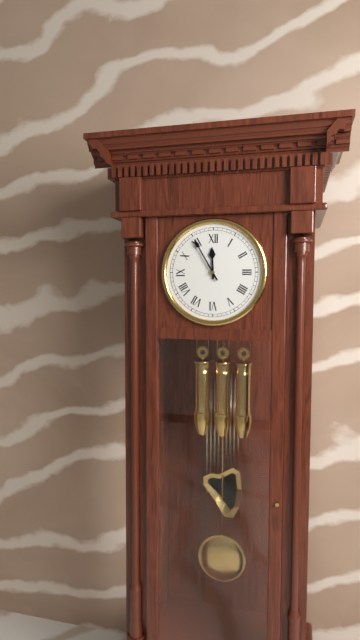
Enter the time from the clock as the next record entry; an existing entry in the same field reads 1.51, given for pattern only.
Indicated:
11.55
